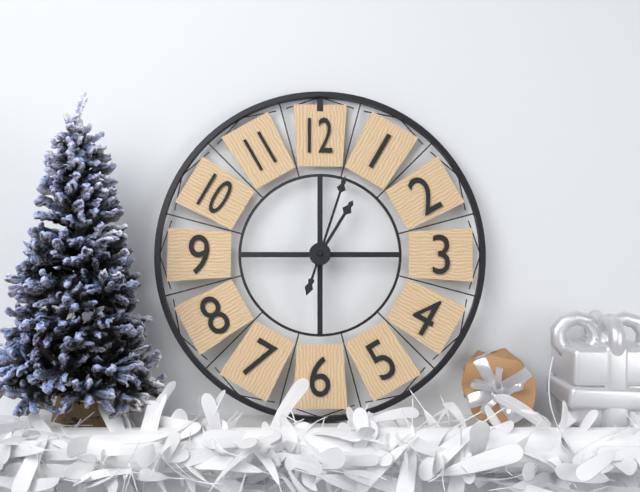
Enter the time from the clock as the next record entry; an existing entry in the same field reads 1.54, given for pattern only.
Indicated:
1.03
